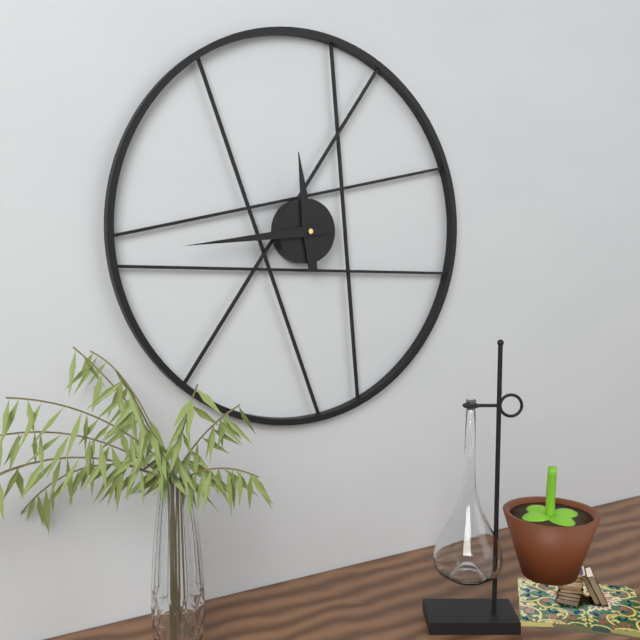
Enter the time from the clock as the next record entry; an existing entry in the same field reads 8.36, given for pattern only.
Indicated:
11.44
